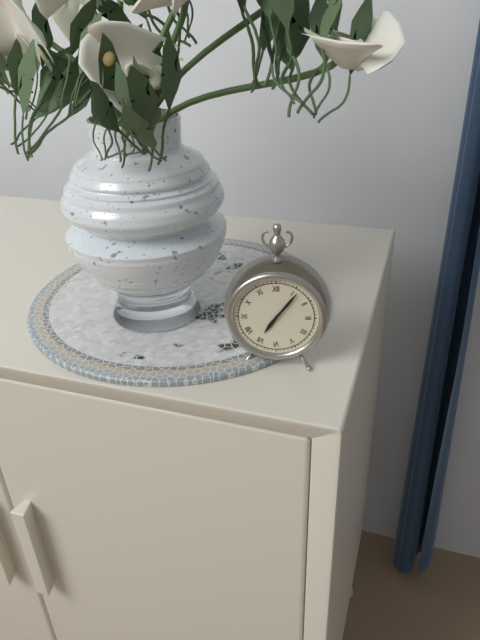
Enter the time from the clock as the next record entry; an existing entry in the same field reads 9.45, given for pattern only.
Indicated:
7.06
